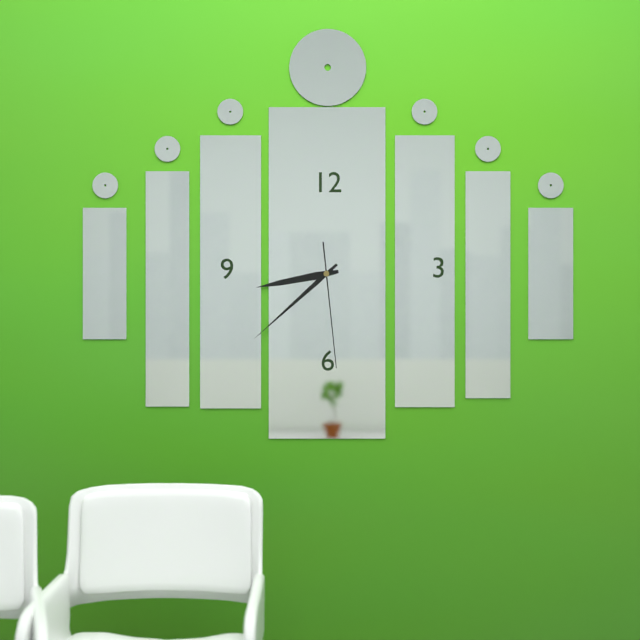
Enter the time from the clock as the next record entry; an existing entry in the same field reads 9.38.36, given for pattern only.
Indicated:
8.38.29
